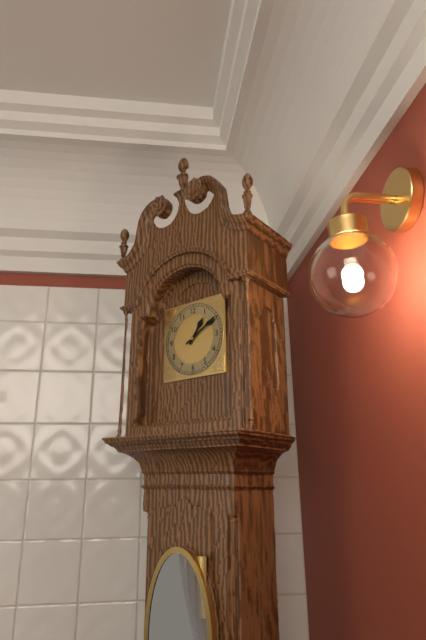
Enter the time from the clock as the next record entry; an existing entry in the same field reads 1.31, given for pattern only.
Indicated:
1.10
